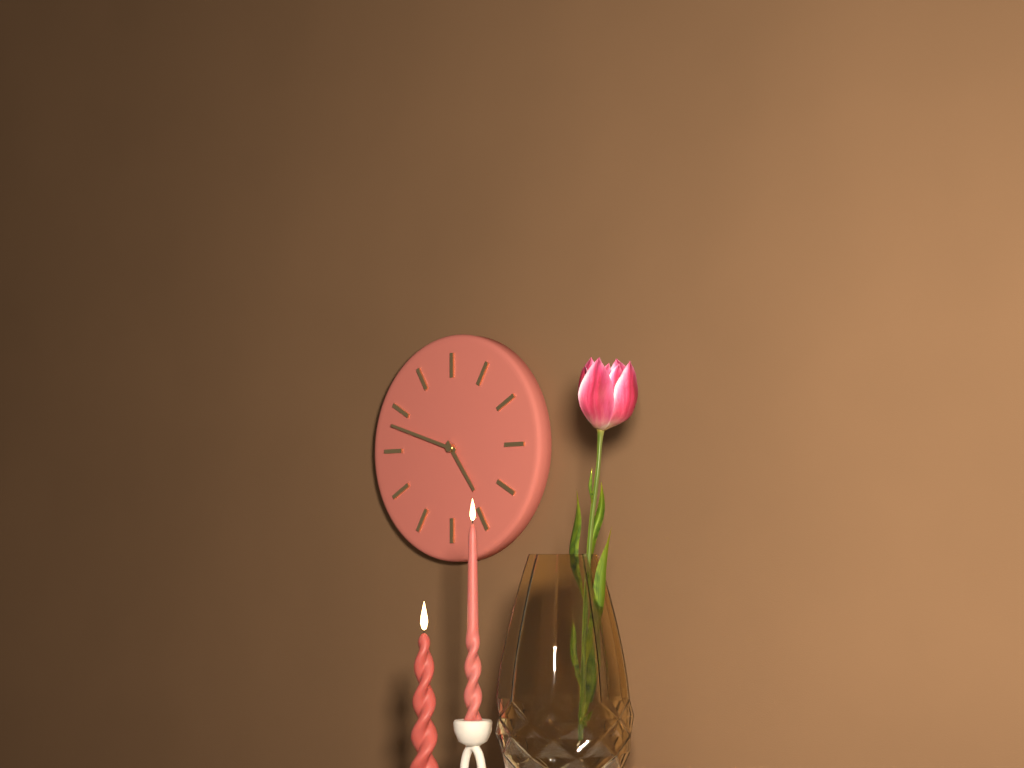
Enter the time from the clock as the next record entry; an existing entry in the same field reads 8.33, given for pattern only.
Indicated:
4.48
